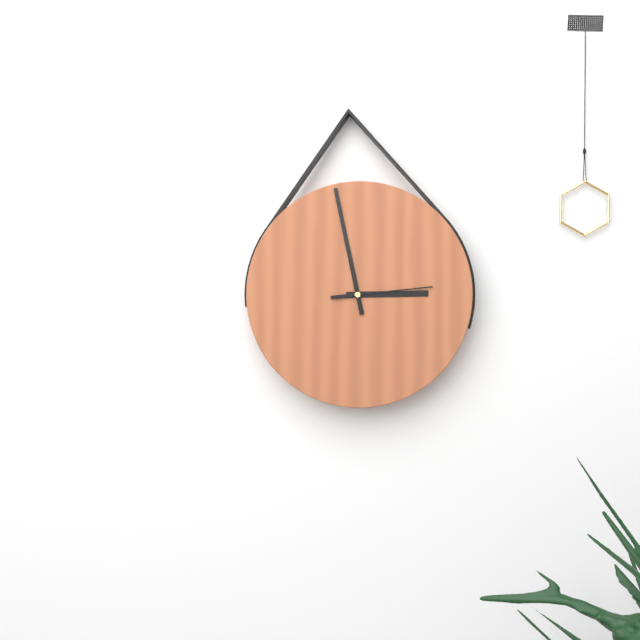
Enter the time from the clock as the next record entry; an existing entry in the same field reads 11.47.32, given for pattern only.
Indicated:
2.58.14
